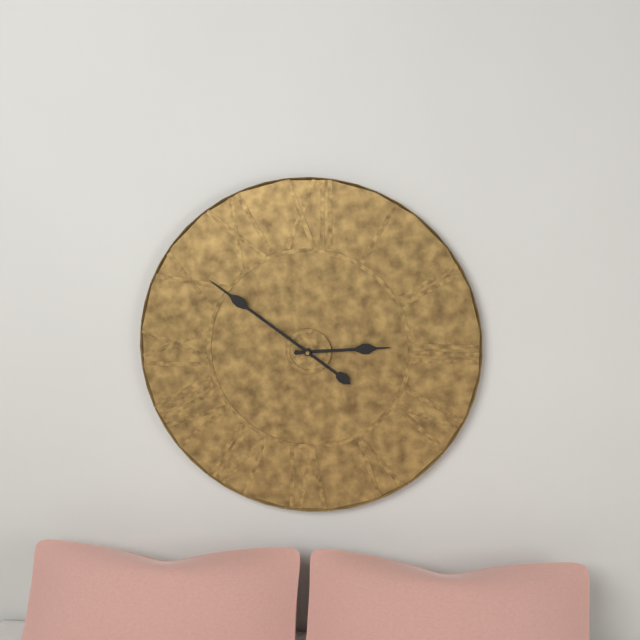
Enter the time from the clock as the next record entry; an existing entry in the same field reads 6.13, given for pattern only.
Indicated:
2.51
